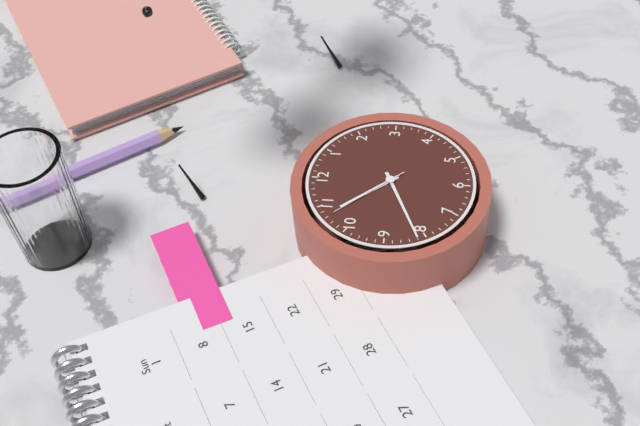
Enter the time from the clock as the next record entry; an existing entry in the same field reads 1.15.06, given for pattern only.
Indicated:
10.41.53
